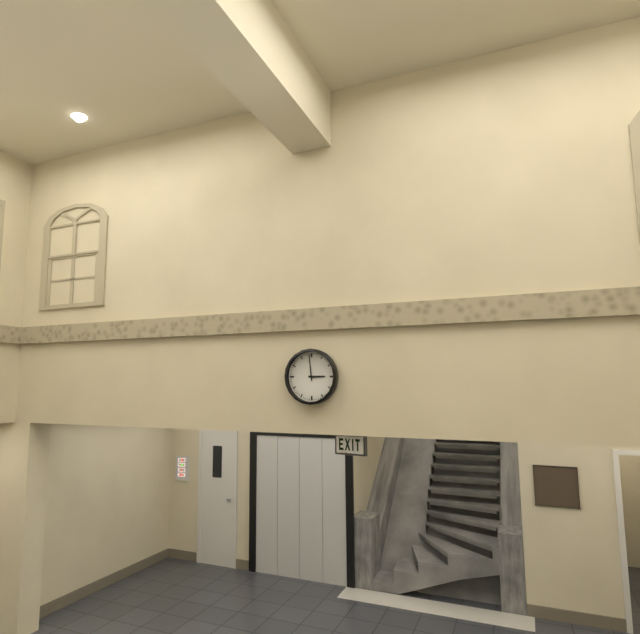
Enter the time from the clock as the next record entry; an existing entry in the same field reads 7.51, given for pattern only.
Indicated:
2.59
